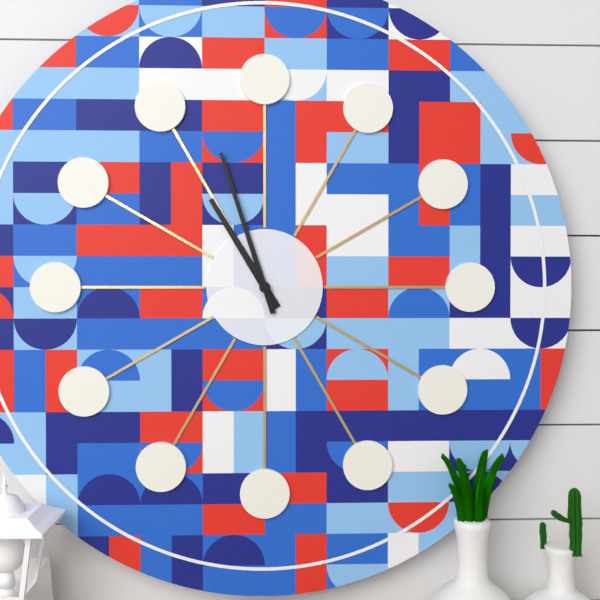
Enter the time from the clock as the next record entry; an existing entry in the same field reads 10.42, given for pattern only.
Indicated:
10.57
